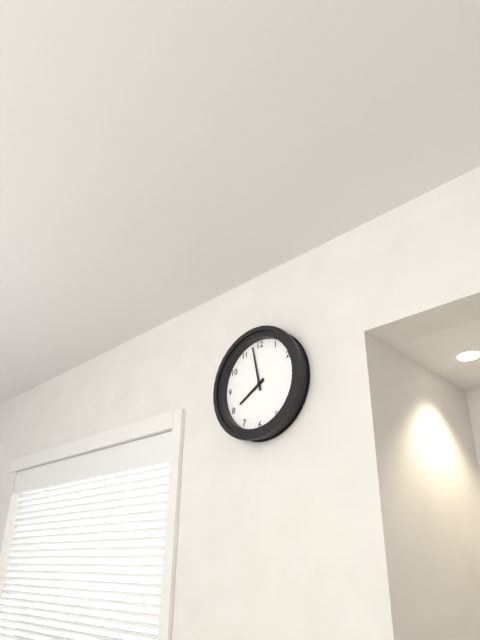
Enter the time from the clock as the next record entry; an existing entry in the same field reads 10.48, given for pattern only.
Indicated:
7.58
